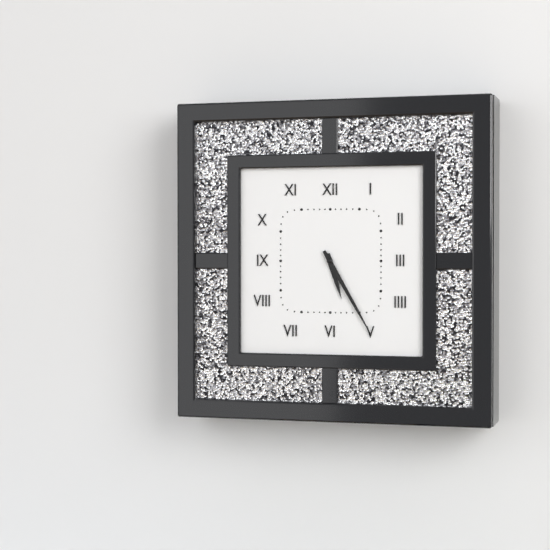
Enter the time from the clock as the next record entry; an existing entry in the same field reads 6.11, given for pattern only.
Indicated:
5.25
